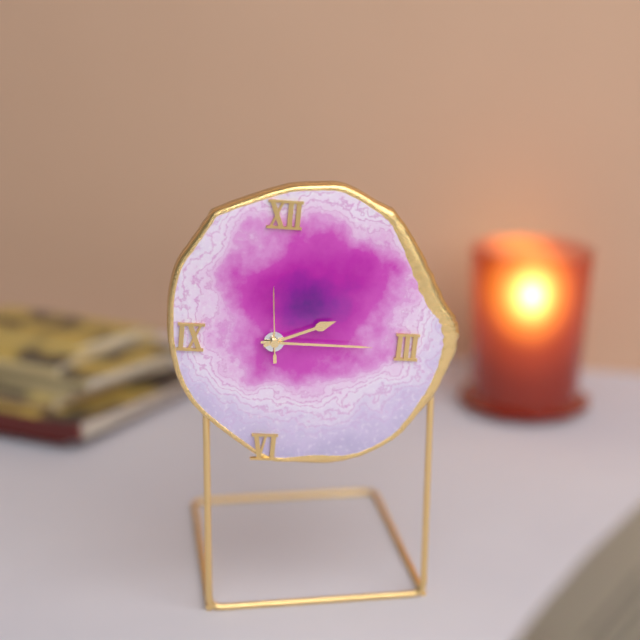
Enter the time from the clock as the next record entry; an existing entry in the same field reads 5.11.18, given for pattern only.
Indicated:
2.15.59
